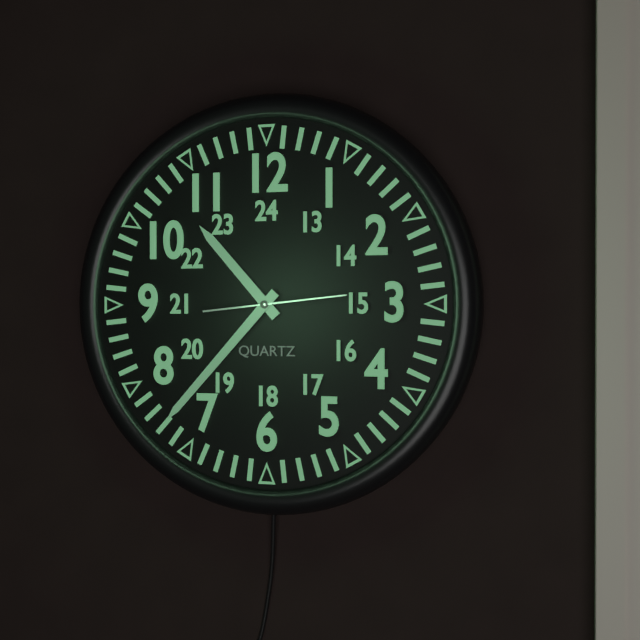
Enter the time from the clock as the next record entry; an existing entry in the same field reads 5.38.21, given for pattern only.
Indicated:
10.37.14
